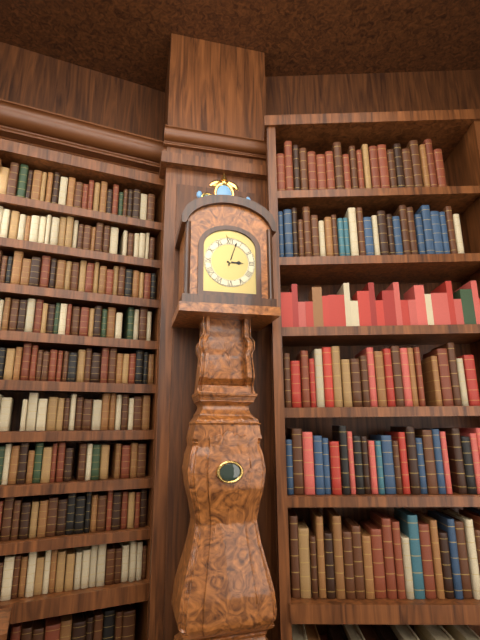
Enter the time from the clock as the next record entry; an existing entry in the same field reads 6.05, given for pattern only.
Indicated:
3.03
